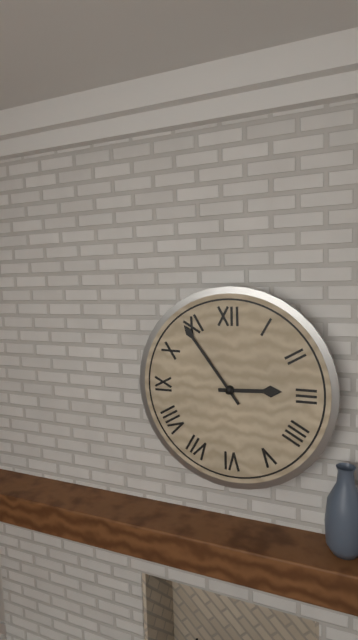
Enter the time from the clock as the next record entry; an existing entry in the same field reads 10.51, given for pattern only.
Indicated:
2.54
